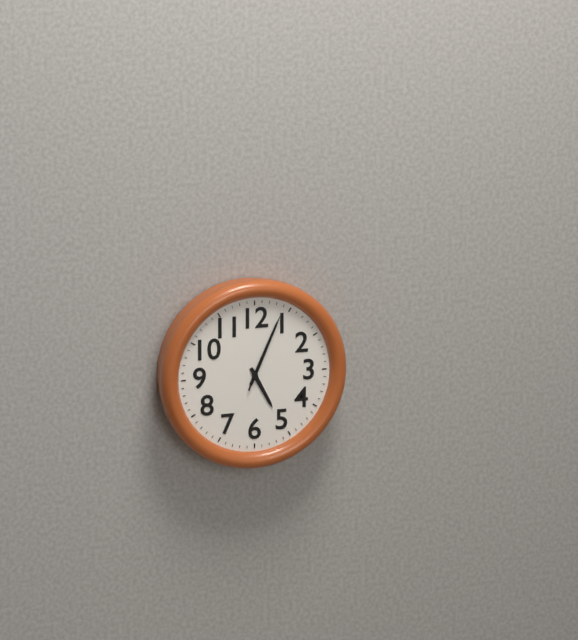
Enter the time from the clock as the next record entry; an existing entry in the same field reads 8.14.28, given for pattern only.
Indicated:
5.04.04
